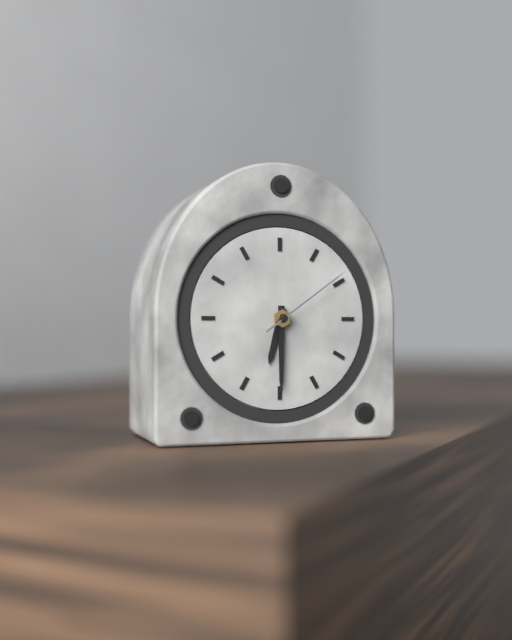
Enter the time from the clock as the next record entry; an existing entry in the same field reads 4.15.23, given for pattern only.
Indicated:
6.30.09
